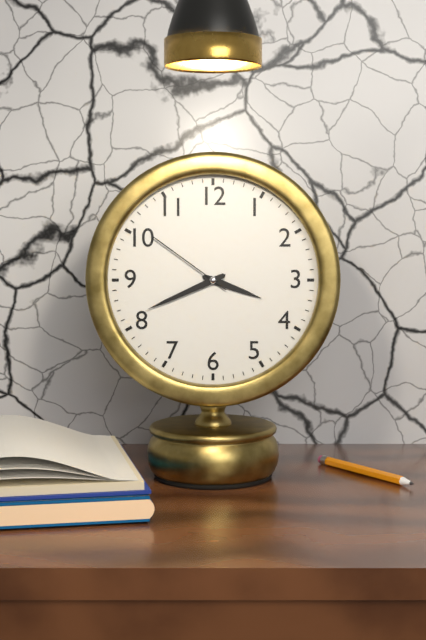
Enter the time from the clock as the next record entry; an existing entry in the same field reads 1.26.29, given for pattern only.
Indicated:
3.41.51
